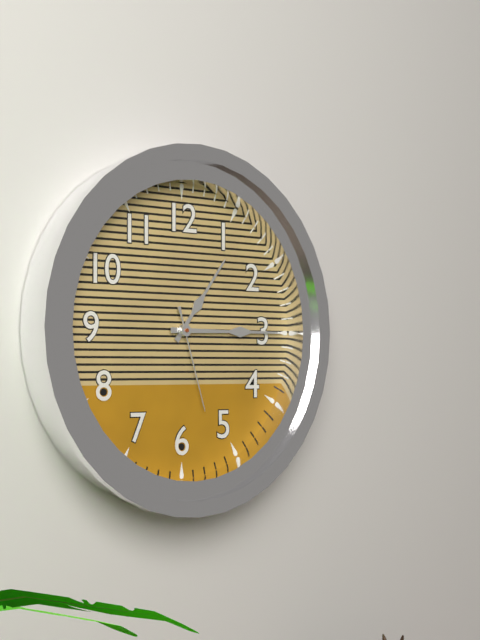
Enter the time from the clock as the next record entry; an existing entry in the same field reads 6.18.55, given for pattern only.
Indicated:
1.15.27
